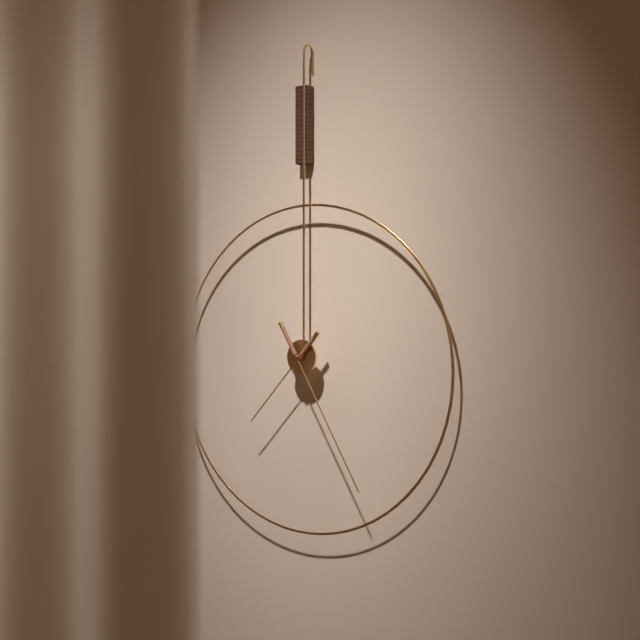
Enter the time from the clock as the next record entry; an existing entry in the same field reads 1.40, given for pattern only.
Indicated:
7.25
